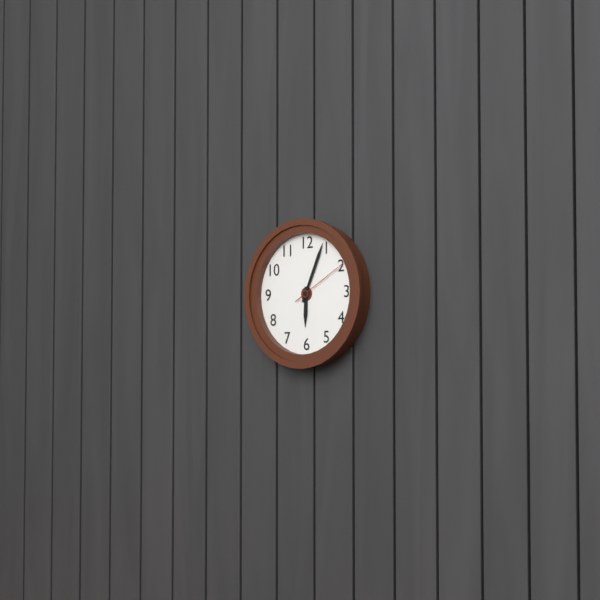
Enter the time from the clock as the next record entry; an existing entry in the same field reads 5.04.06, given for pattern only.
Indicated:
6.04.10
